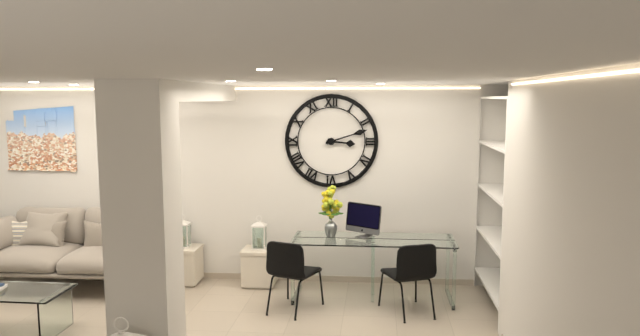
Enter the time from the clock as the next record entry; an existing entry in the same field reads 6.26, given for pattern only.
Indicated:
3.12
